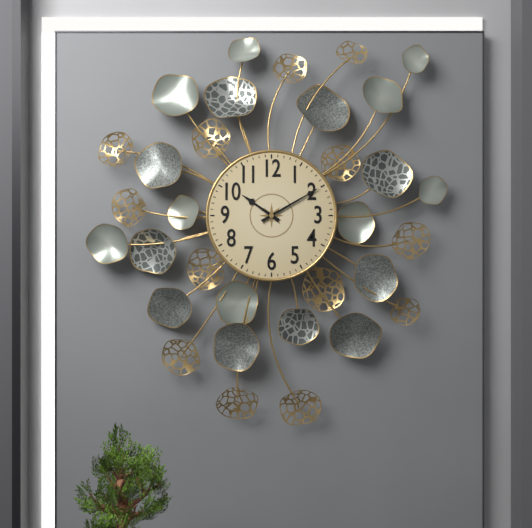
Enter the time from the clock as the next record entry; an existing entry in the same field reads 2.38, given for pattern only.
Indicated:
10.10
